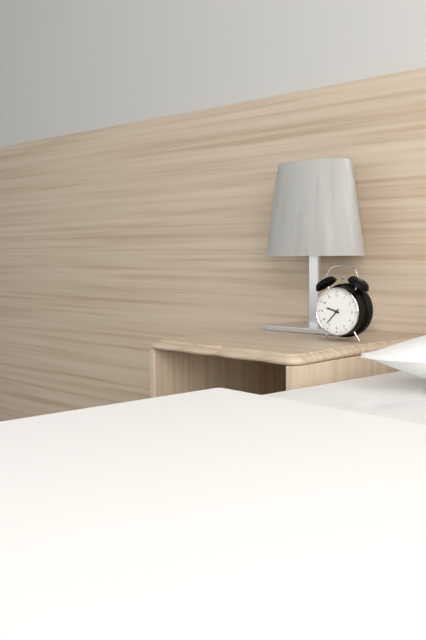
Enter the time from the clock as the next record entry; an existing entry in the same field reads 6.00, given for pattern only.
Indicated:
9.37
